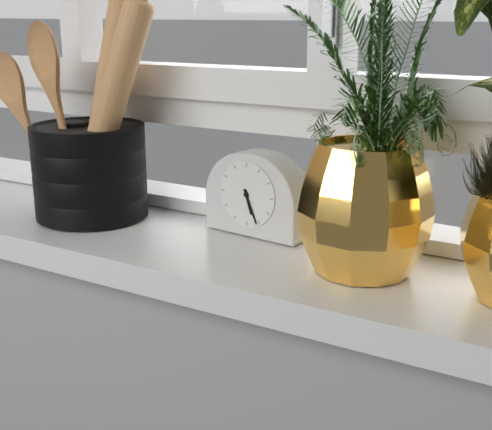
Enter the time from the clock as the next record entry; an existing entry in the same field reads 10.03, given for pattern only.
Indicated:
5.26
